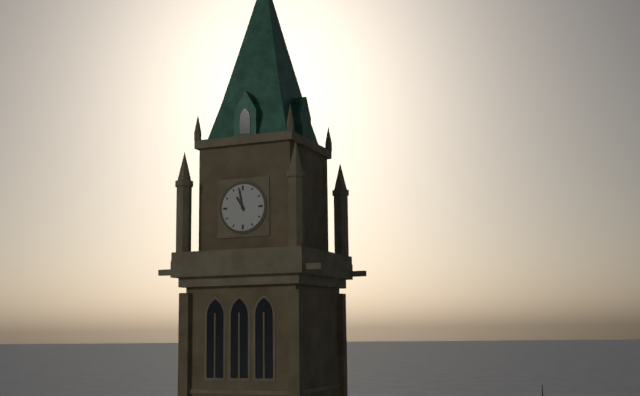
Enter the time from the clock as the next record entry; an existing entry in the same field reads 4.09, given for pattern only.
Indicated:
10.58
